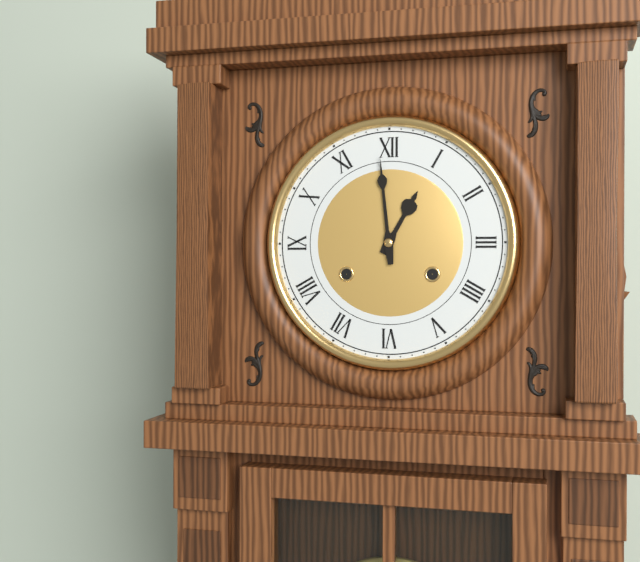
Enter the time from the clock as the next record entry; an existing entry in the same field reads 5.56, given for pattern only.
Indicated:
12.59
